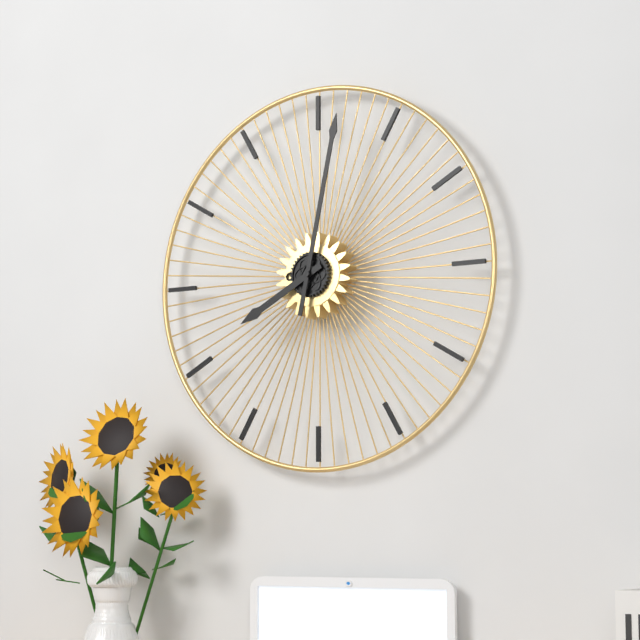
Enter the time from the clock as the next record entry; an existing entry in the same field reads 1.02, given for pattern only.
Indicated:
8.02
